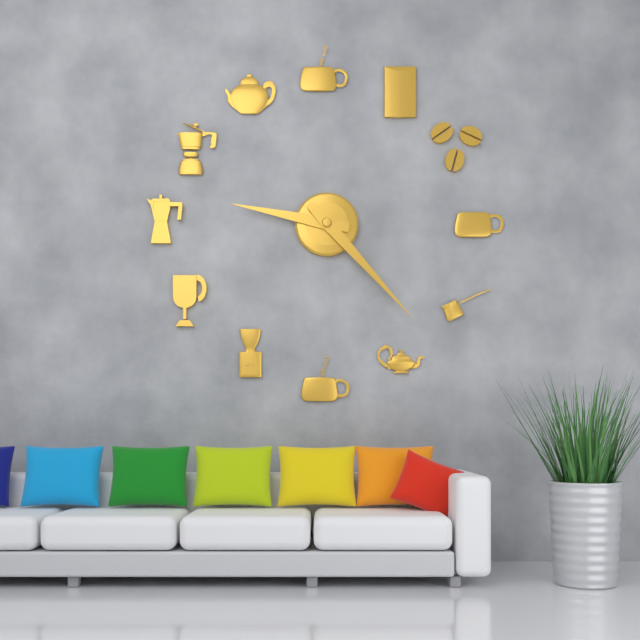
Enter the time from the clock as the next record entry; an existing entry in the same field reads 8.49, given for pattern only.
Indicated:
9.23
